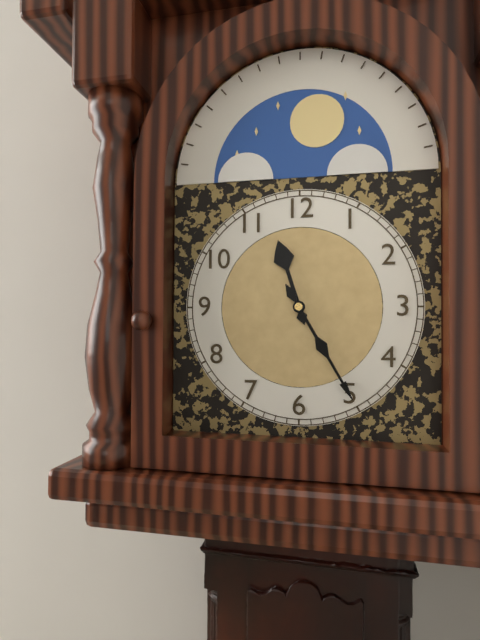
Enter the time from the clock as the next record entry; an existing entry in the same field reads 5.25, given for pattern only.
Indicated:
11.25
